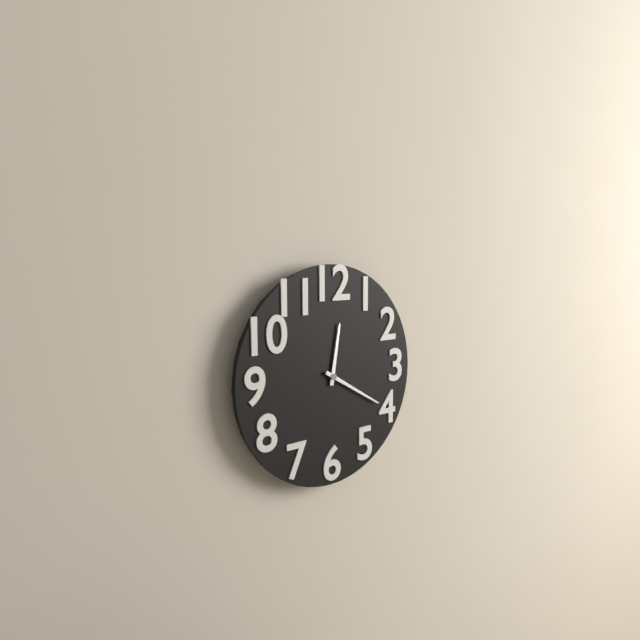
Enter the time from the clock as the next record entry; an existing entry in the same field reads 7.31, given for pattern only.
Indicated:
12.20
